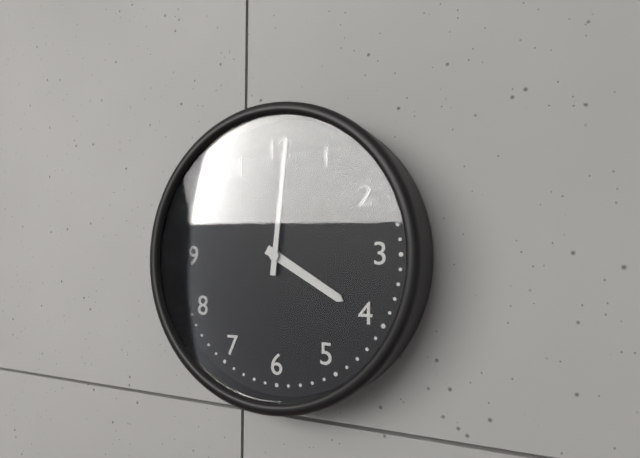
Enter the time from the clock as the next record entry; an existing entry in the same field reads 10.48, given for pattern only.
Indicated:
4.01
